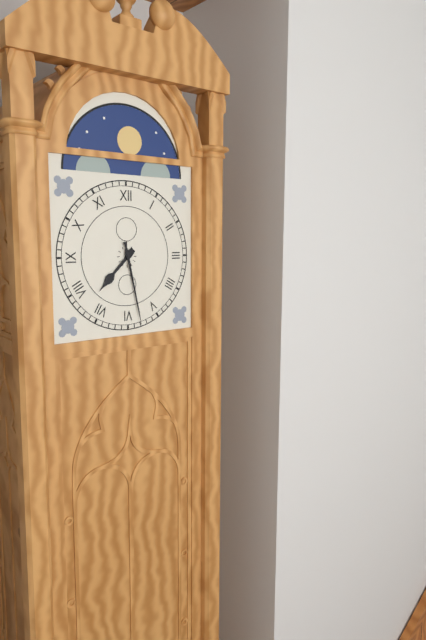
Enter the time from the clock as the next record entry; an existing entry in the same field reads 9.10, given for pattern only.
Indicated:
7.28
